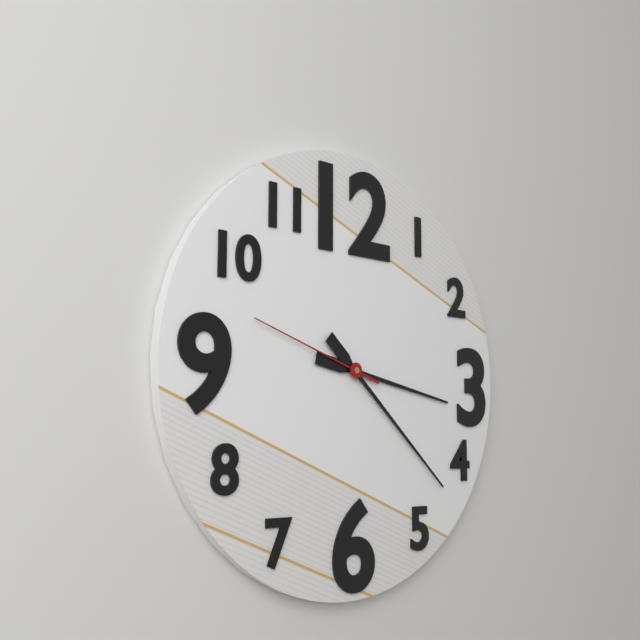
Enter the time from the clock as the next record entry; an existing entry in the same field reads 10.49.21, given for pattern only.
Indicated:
3.22.48
